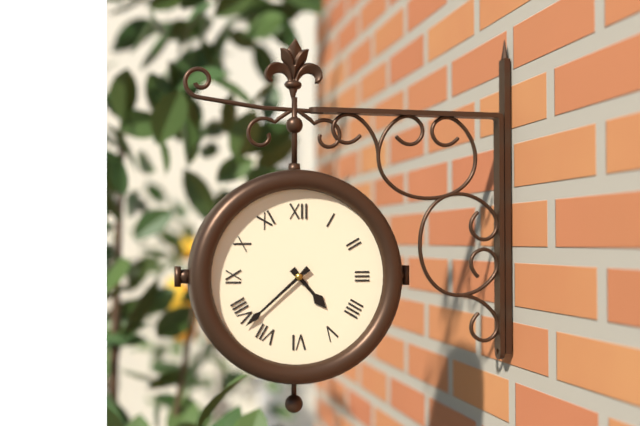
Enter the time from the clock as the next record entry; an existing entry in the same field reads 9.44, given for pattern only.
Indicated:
4.38
